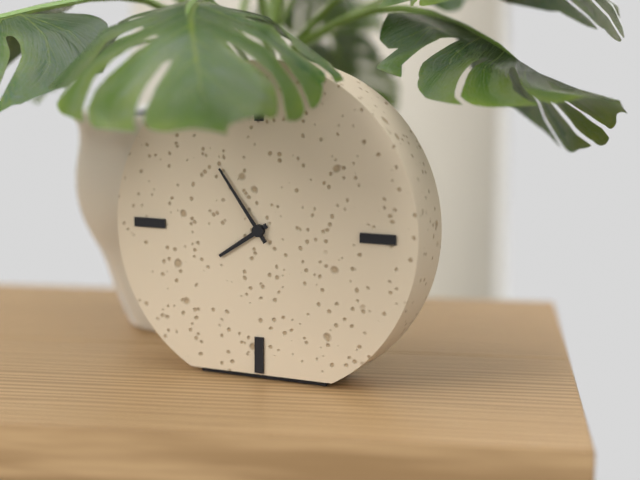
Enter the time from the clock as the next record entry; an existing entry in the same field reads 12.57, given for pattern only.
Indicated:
7.54
